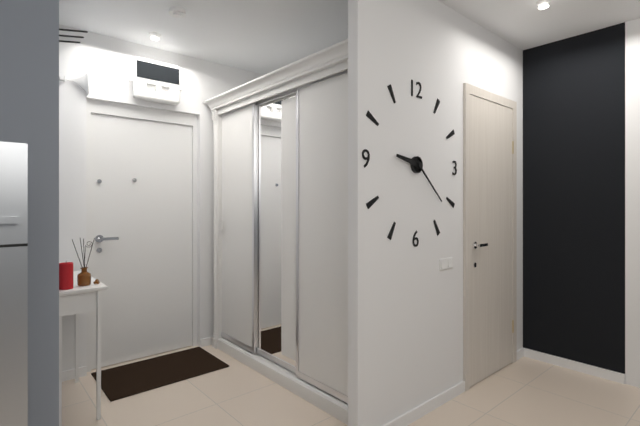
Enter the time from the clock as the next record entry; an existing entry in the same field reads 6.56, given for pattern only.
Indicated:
9.22
